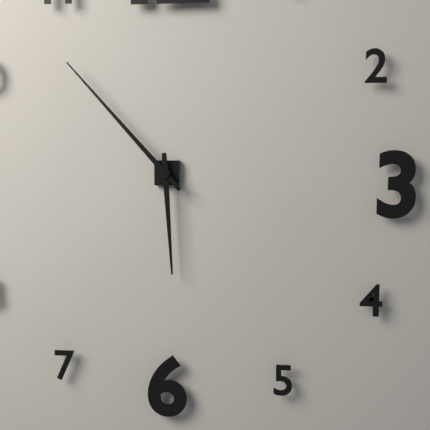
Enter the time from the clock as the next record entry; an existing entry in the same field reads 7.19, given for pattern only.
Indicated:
5.53
